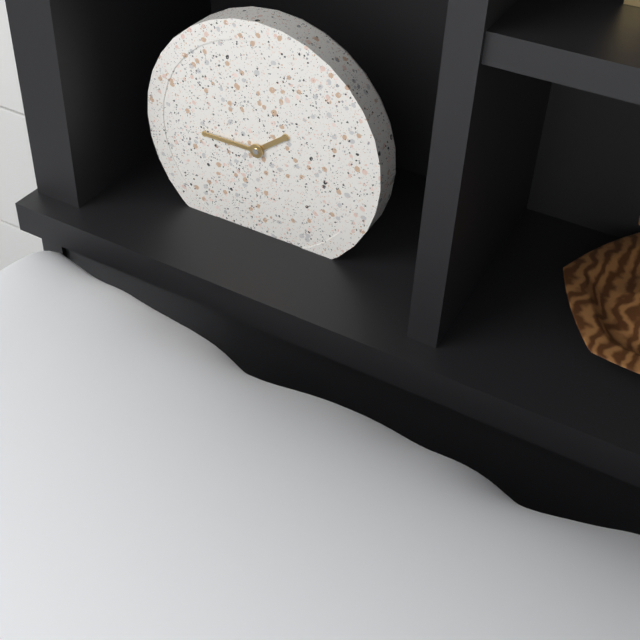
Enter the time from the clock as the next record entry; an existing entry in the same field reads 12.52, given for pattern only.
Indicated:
1.45
